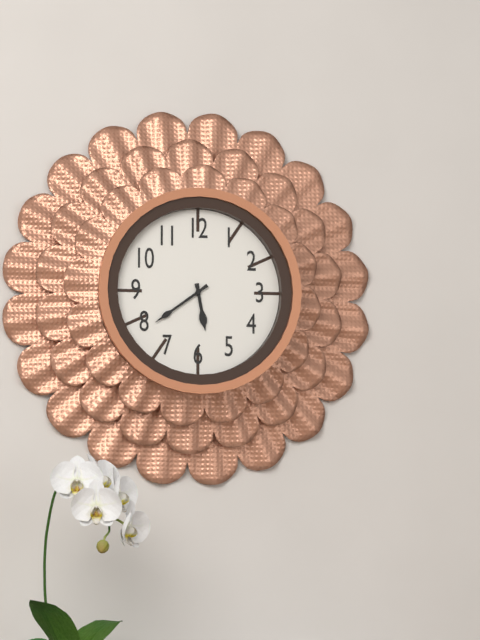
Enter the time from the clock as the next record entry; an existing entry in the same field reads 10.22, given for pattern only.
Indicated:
5.39
